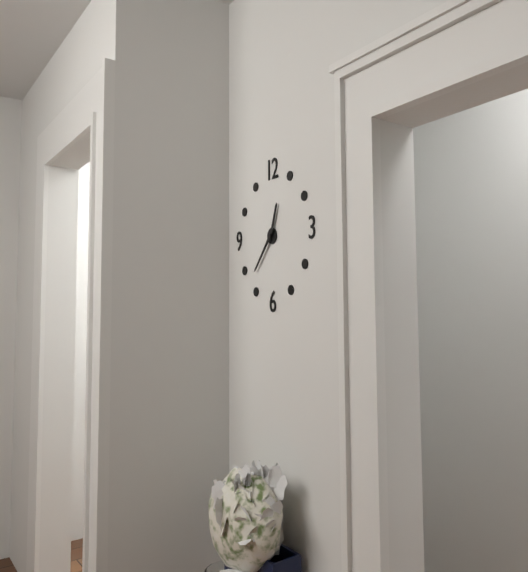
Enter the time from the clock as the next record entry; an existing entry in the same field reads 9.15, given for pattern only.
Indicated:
12.37
